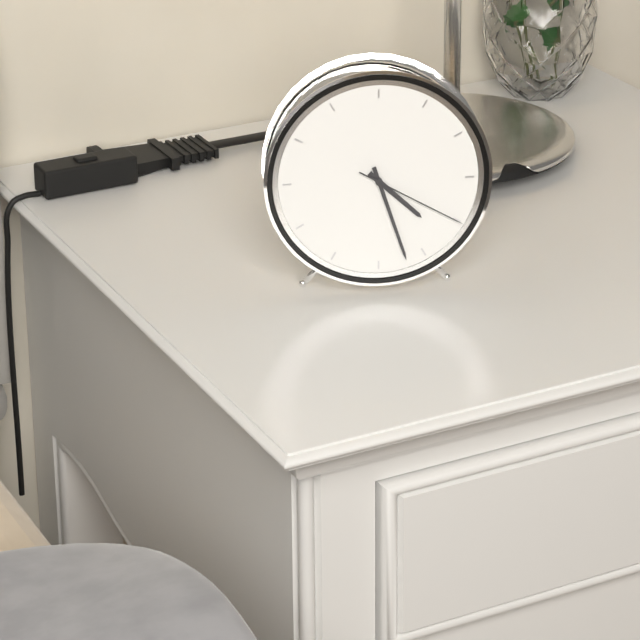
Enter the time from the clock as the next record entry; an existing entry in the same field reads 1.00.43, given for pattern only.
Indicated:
4.27.20
